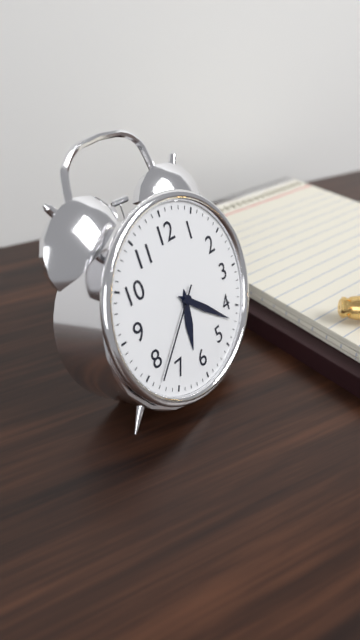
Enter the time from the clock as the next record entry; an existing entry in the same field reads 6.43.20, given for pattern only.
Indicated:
6.22.38
